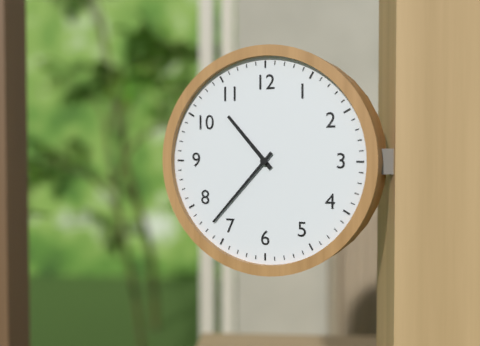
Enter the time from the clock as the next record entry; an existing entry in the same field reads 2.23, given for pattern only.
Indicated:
10.37
